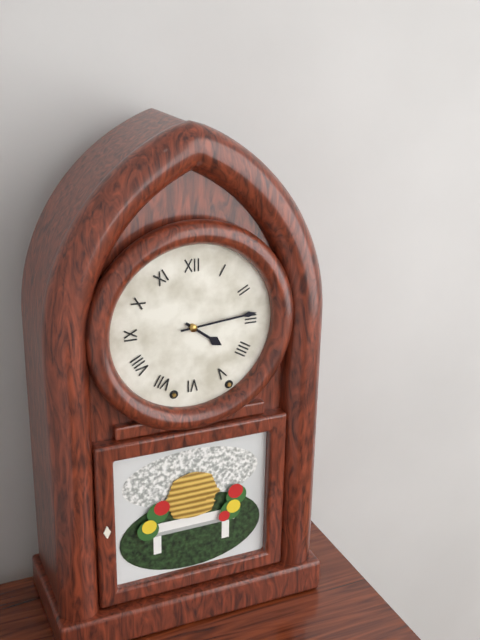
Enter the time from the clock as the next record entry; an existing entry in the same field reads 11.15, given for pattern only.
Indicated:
4.14
